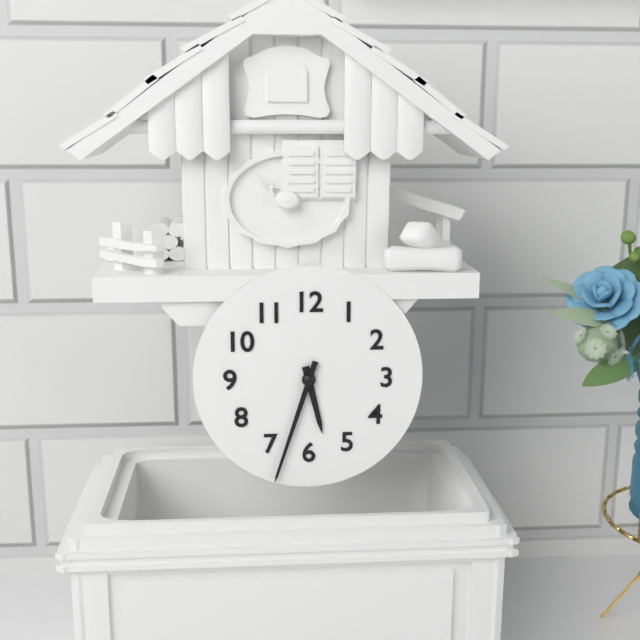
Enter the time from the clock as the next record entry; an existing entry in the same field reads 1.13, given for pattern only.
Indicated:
5.33
